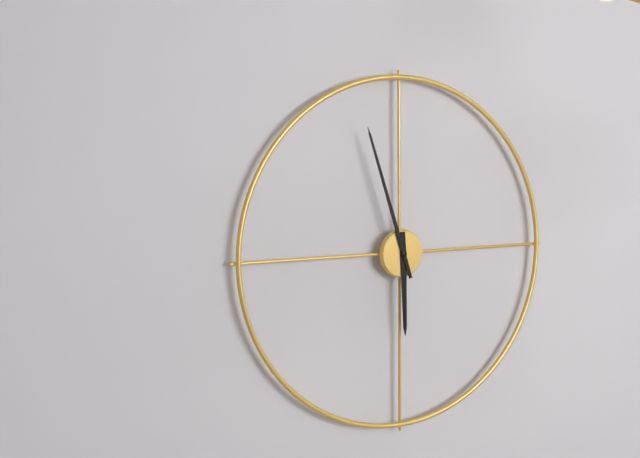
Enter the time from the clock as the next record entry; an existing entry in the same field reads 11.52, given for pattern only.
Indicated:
5.57
